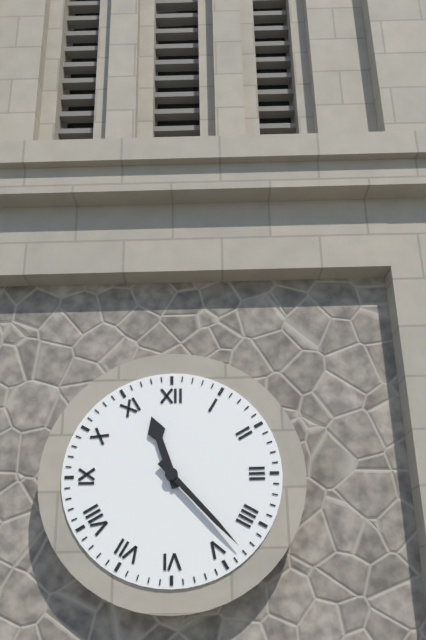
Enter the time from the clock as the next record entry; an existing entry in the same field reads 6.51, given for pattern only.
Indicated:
11.23
